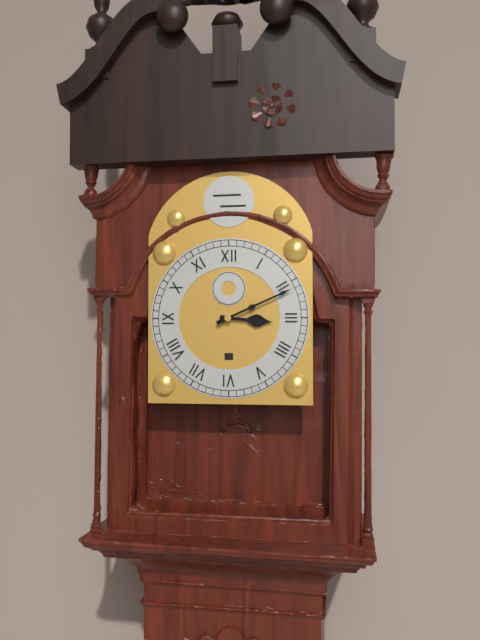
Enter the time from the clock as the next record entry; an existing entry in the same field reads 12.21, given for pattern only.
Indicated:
3.11
